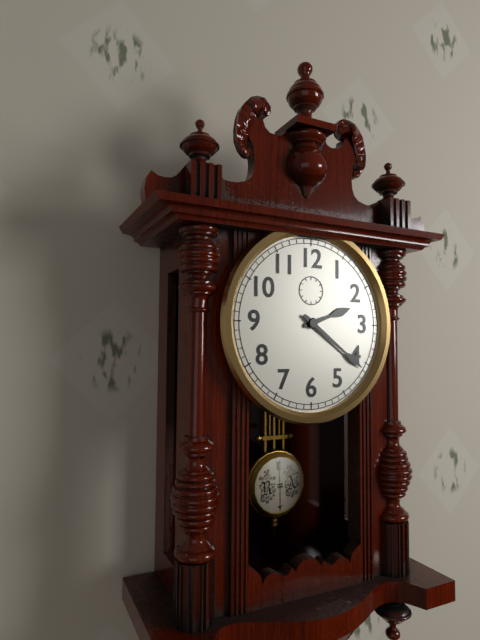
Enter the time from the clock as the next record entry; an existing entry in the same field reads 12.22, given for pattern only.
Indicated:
2.21
